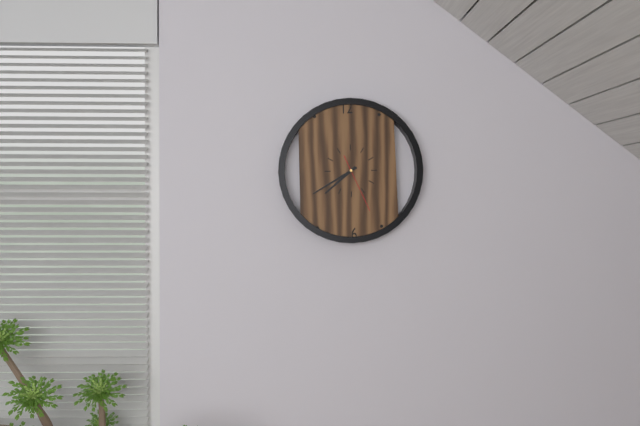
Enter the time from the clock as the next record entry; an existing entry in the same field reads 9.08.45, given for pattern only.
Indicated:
7.40.26
